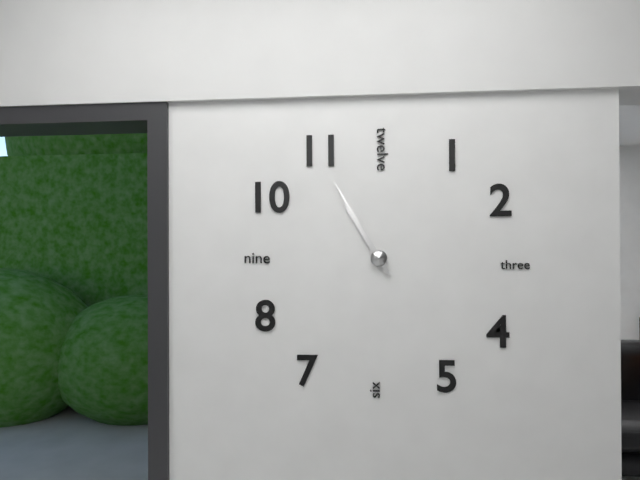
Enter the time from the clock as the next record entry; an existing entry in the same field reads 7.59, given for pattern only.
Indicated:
10.55
